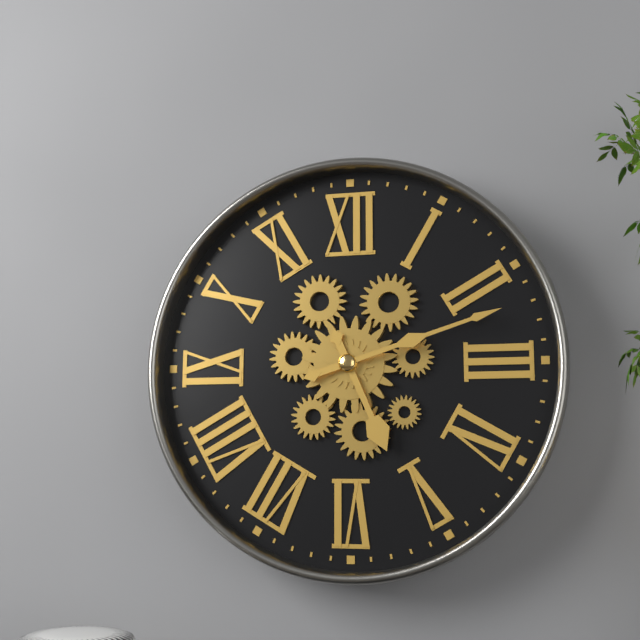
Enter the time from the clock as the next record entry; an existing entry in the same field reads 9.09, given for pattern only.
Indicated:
5.12
